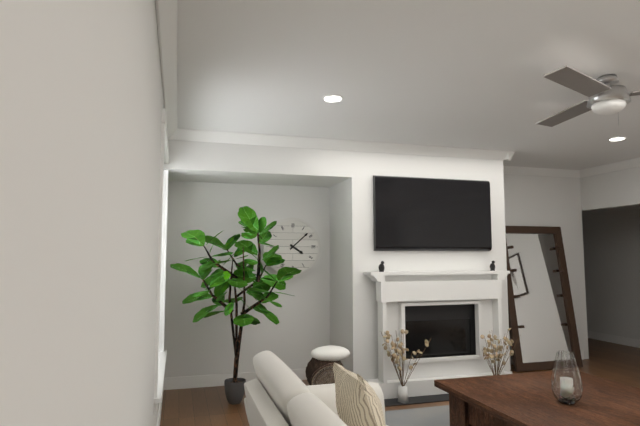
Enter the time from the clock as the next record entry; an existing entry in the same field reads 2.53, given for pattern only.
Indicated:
4.08
